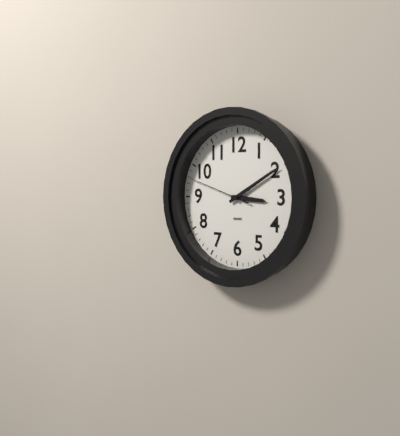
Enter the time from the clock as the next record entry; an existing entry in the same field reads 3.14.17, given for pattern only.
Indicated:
3.10.48
